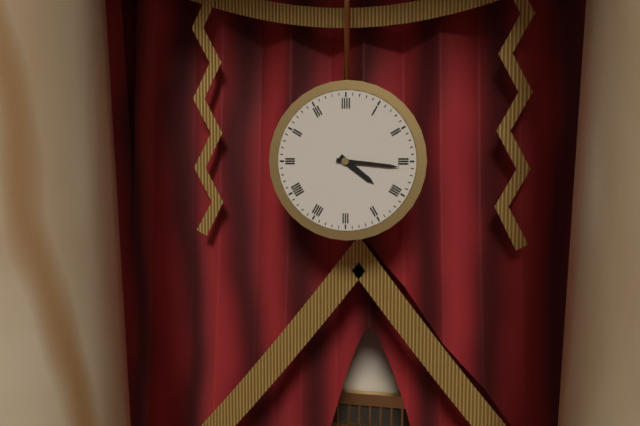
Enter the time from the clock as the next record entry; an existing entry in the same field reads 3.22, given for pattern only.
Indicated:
4.16
